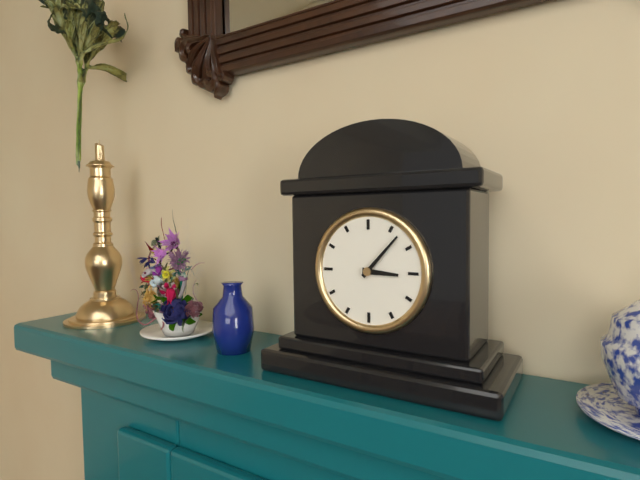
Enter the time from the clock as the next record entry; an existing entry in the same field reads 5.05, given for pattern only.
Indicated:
3.07
